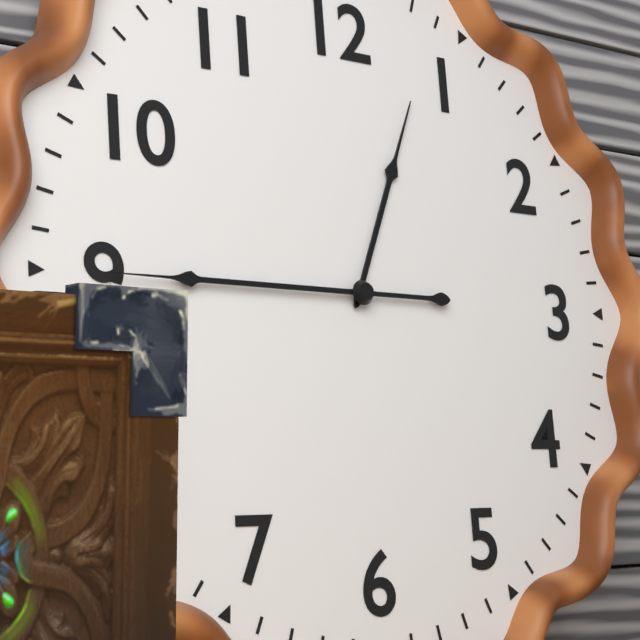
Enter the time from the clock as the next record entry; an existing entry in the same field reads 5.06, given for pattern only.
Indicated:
12.45
